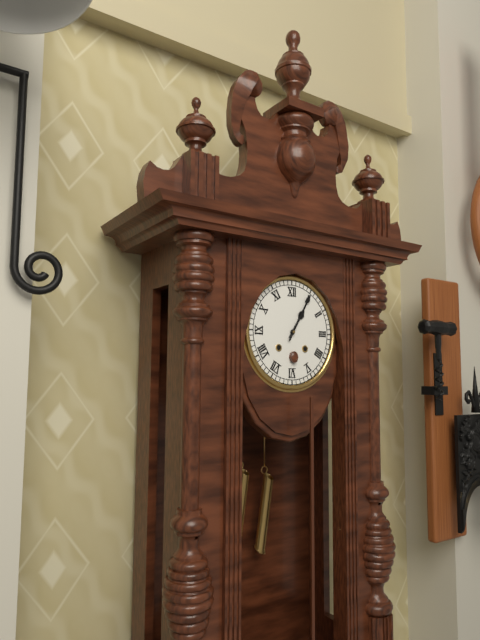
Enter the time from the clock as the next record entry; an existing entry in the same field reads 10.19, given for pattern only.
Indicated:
1.05
